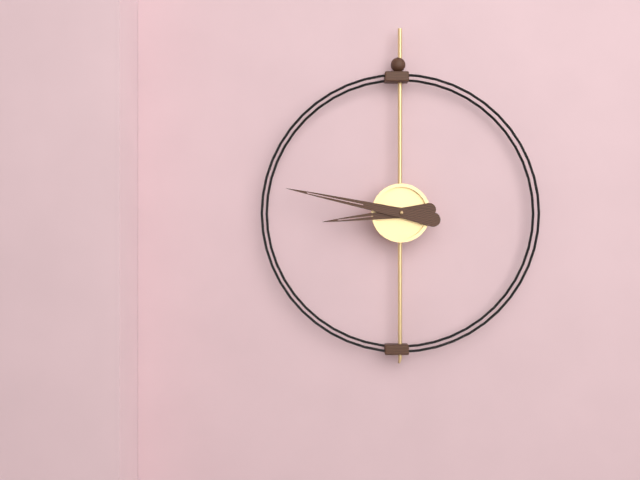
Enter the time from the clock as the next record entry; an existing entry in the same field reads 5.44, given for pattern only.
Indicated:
8.47
